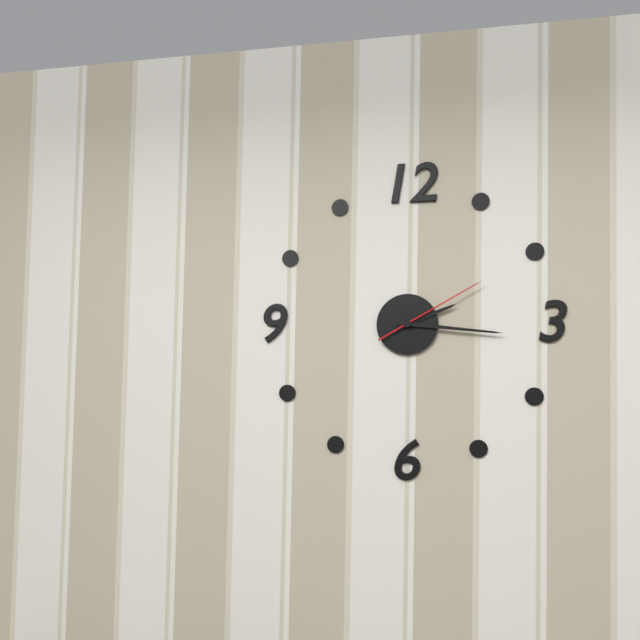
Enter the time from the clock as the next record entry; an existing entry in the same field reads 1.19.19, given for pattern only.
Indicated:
2.16.10
